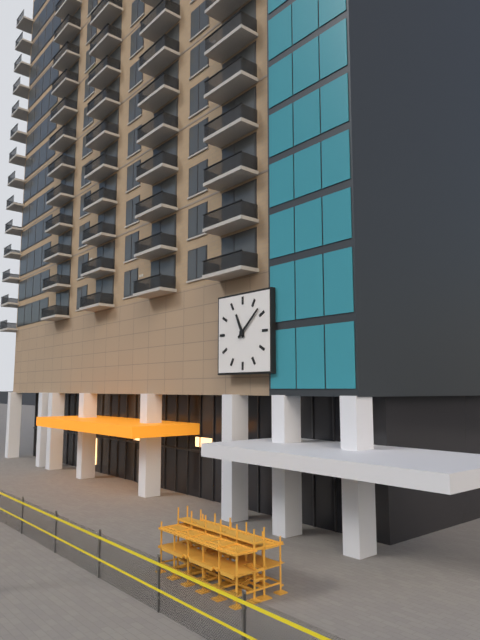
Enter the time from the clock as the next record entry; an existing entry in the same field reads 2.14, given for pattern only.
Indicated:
11.08
